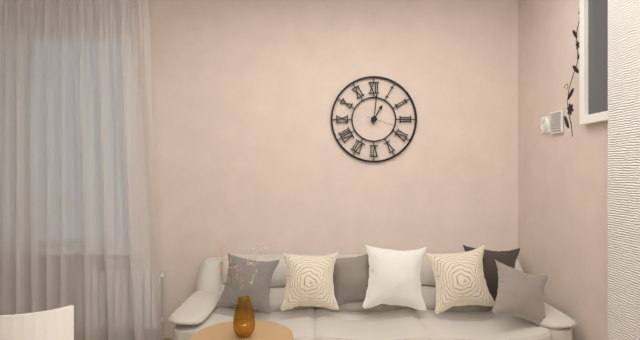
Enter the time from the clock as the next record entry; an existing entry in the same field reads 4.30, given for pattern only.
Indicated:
1.01
